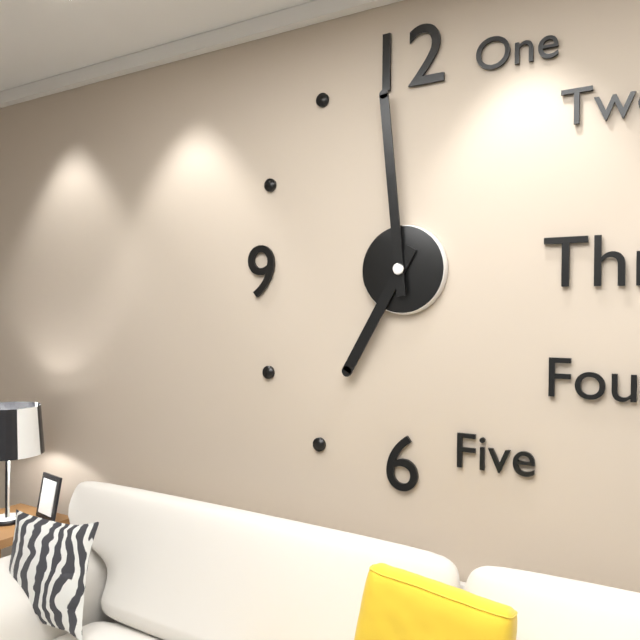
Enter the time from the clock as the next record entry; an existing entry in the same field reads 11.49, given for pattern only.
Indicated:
6.59
